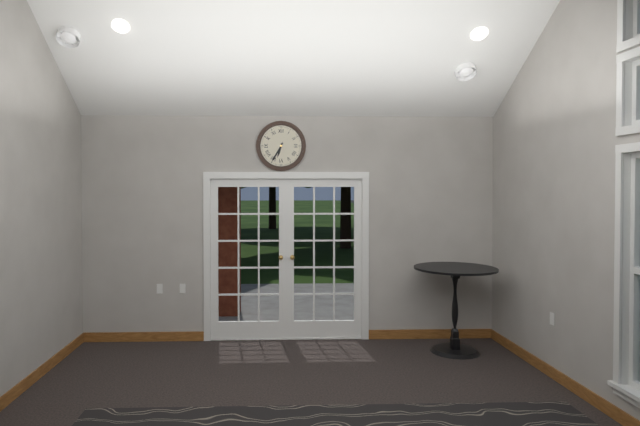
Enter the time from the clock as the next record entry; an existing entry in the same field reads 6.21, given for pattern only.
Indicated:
6.35
